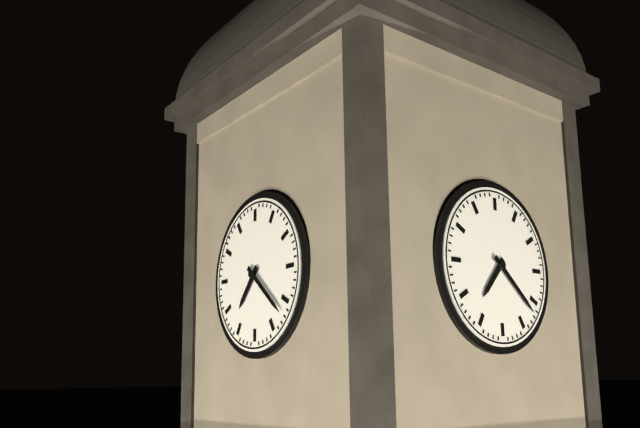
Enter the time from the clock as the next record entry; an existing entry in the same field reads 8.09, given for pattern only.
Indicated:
7.22
